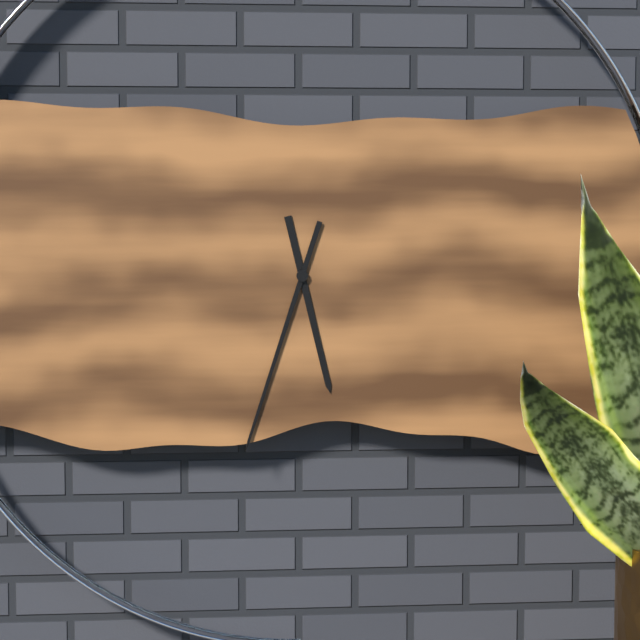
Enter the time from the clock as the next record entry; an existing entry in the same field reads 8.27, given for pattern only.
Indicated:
5.33
